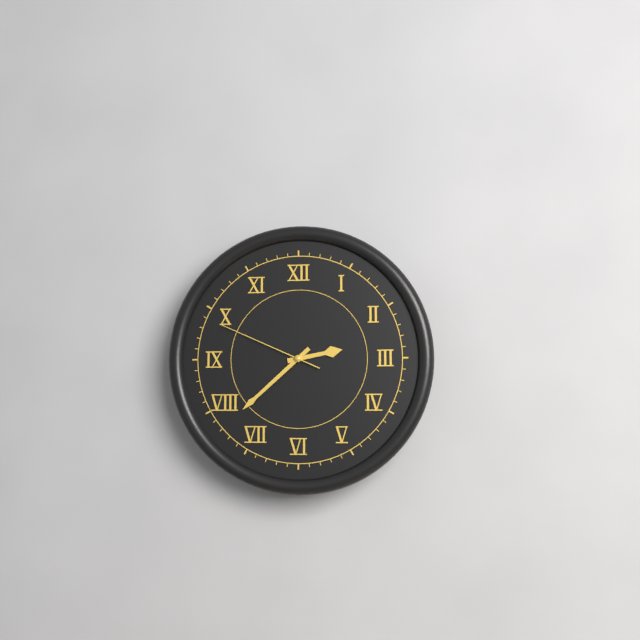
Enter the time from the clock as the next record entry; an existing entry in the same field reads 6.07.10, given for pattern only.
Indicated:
2.38.49
